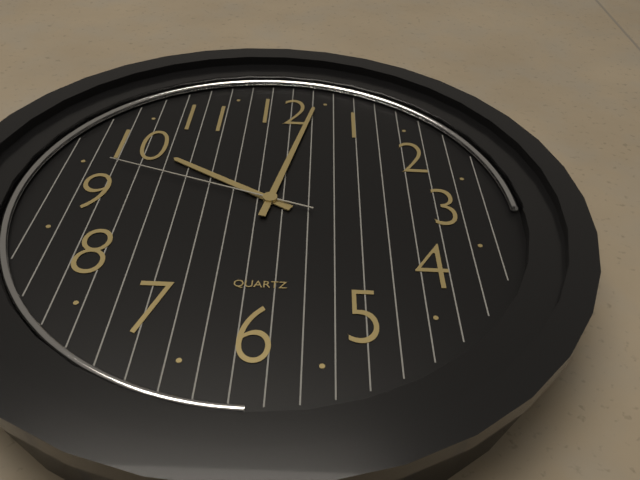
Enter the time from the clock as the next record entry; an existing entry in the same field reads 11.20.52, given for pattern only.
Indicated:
10.02.48
